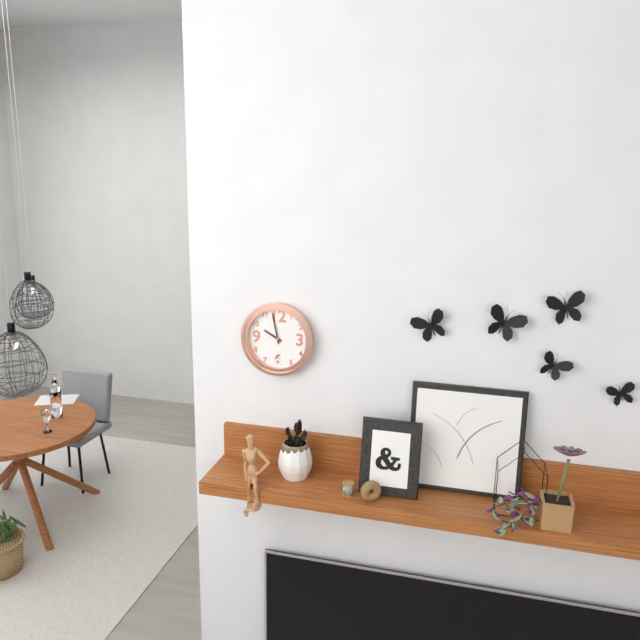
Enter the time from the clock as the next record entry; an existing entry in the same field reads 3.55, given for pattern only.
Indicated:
9.58
